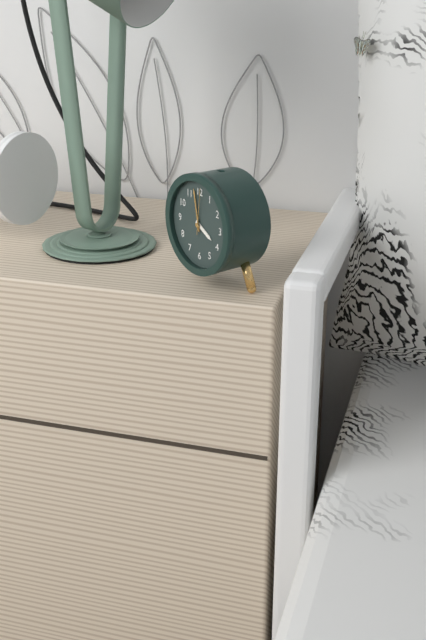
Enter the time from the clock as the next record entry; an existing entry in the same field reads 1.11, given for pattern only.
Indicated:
3.58
